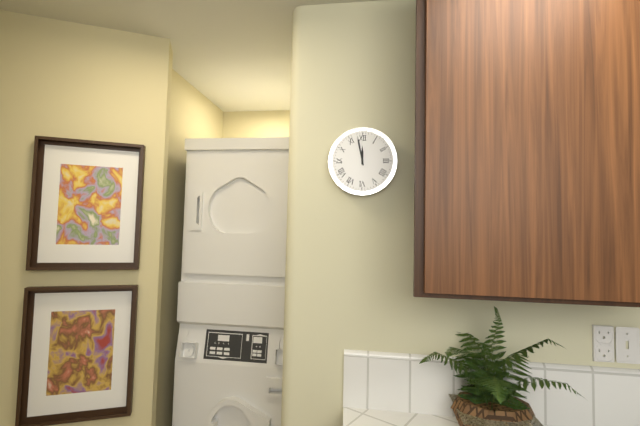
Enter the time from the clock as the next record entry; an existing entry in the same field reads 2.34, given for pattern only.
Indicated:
11.58
